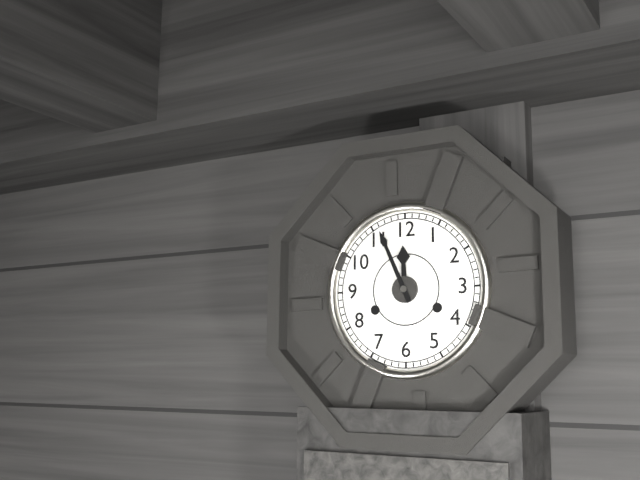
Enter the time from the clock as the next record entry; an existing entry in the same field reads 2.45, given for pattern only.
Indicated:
11.56
